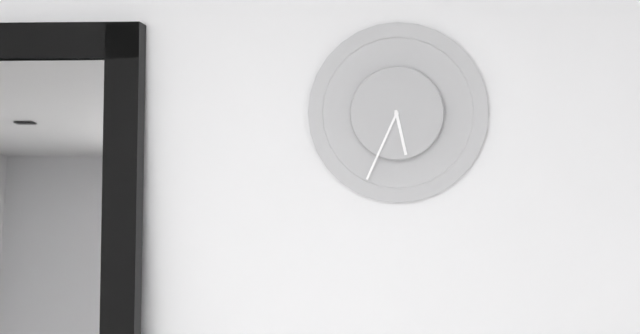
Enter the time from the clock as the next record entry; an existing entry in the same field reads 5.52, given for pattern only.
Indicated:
5.34
